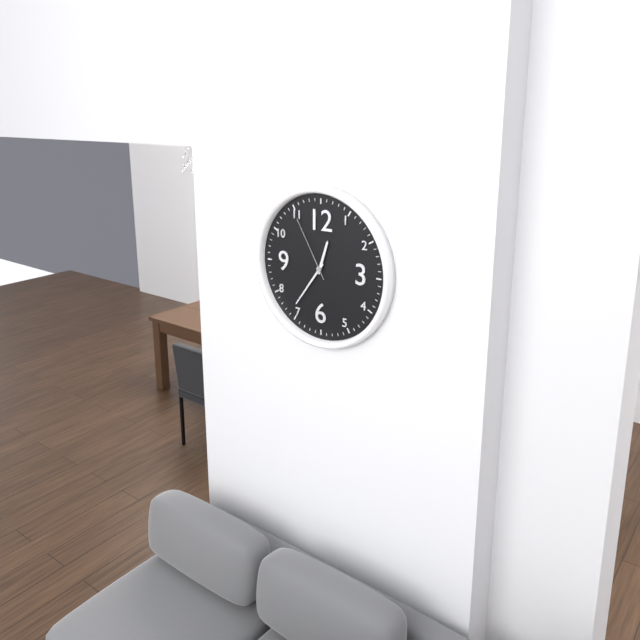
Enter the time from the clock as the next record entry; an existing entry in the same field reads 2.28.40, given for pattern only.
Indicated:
12.36.55
